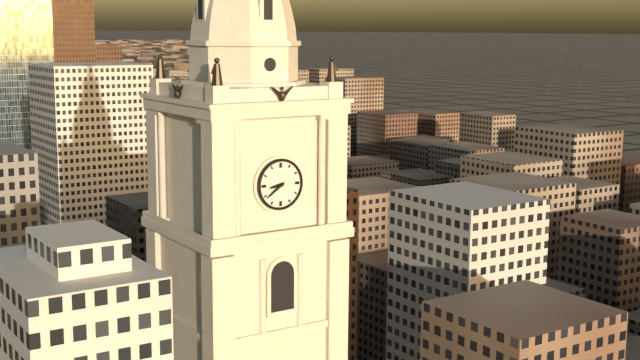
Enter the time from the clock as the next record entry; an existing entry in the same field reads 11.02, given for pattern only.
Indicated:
8.39
